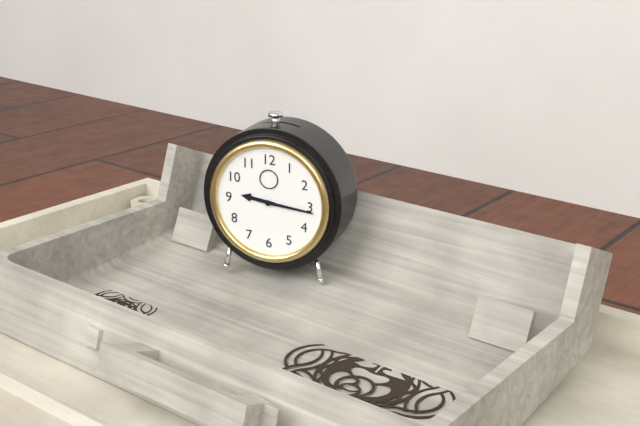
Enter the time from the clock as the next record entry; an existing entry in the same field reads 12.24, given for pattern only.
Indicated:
9.16
